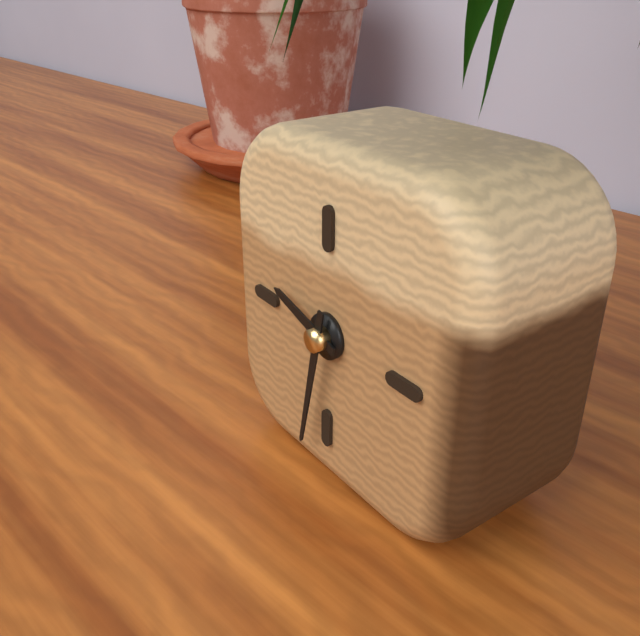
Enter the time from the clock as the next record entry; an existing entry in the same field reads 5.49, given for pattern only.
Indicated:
9.32
